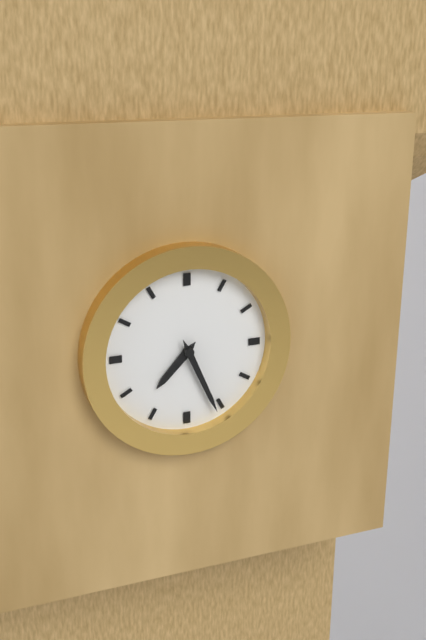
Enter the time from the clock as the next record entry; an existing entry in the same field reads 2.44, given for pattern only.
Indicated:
7.26
